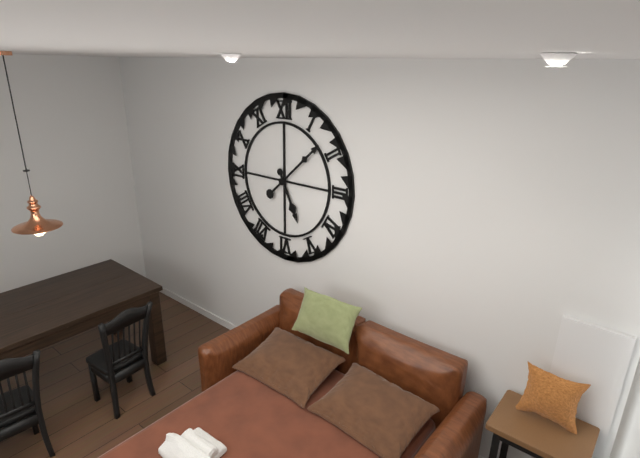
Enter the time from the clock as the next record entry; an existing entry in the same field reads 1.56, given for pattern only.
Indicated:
5.08
